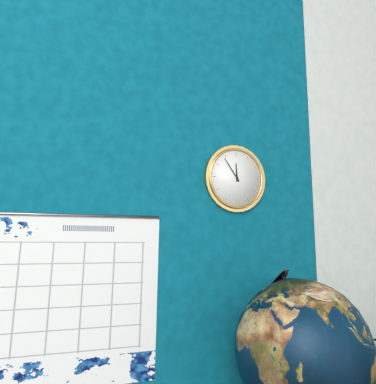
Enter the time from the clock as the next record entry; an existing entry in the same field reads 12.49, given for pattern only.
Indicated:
11.54
